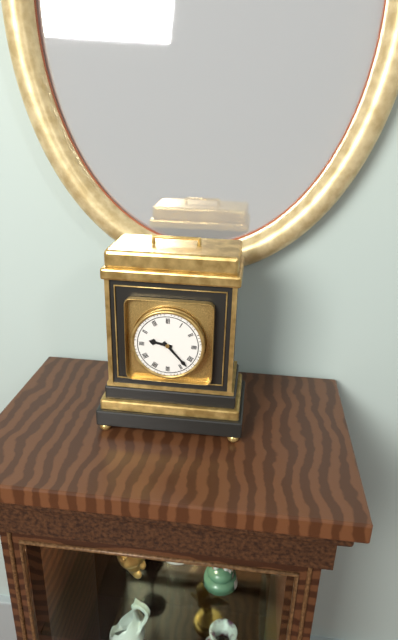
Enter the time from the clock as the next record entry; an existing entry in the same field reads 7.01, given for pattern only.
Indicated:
9.23
